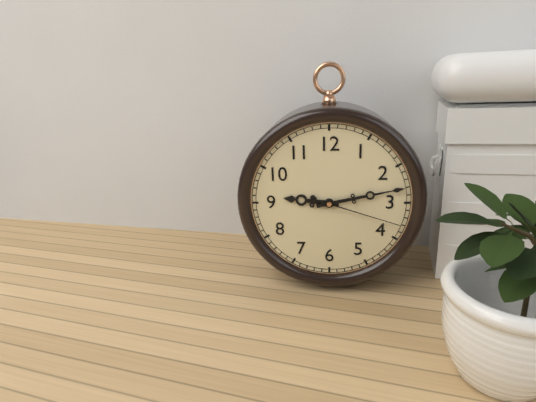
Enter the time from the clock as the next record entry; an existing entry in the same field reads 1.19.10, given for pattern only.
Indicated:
9.13.18
